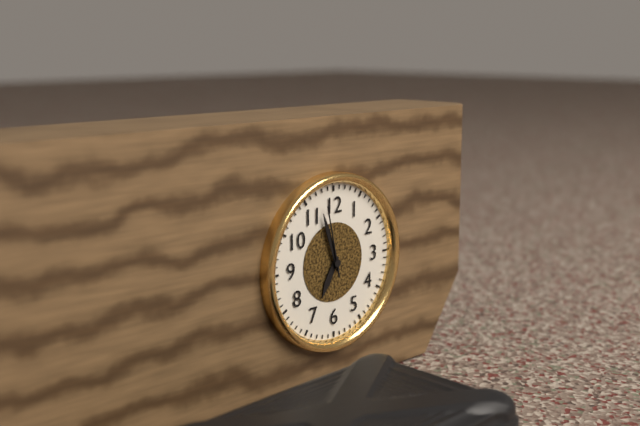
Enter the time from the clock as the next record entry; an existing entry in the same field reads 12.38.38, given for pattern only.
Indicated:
6.57.58
